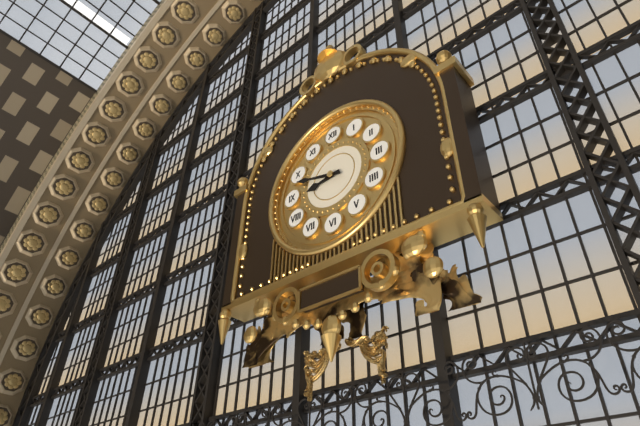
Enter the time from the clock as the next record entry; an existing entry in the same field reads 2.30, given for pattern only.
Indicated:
8.48
